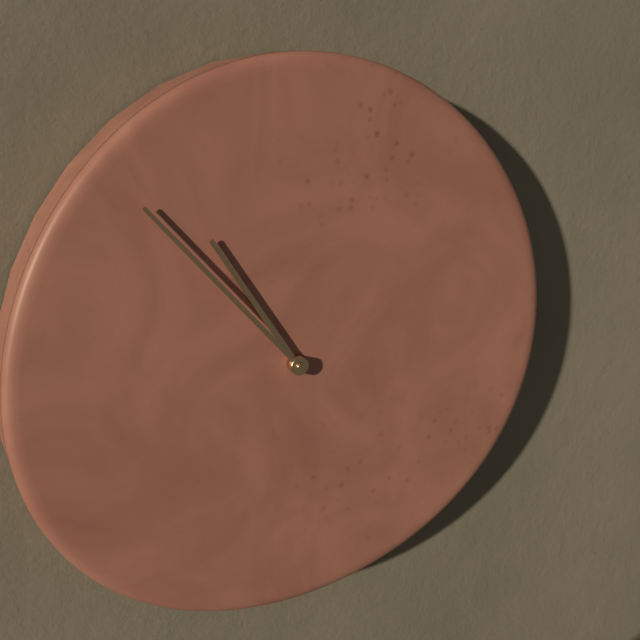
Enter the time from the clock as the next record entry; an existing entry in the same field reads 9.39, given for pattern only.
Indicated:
10.53
